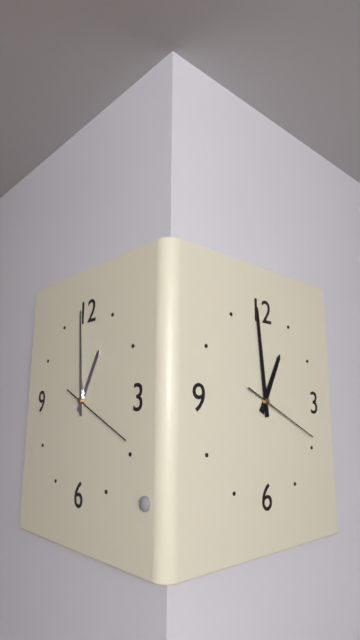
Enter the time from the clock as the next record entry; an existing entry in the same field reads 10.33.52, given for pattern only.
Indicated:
12.59.19
